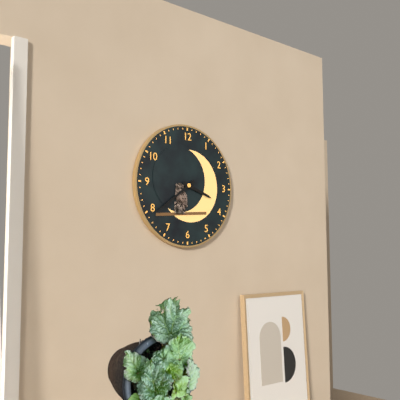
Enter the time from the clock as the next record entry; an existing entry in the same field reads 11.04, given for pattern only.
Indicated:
3.39
